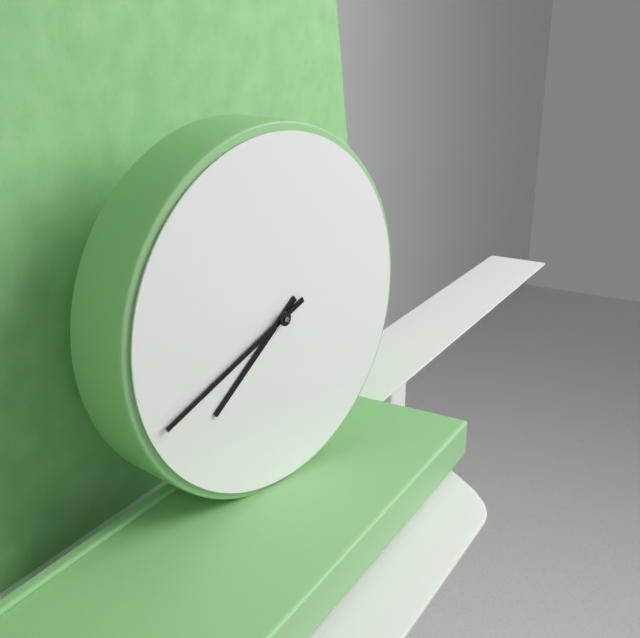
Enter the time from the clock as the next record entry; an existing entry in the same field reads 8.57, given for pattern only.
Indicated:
7.41
